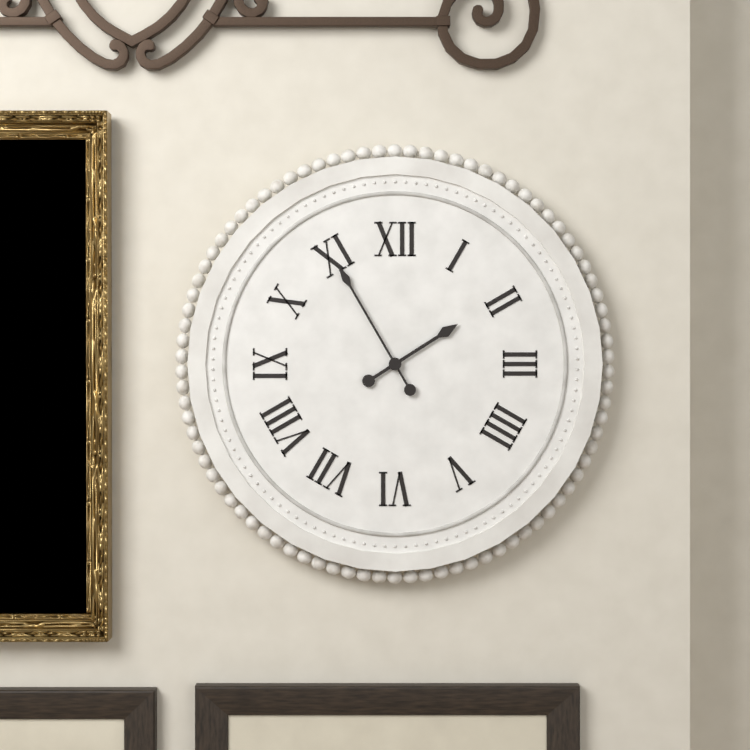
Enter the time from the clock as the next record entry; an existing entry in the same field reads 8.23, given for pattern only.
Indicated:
1.55
